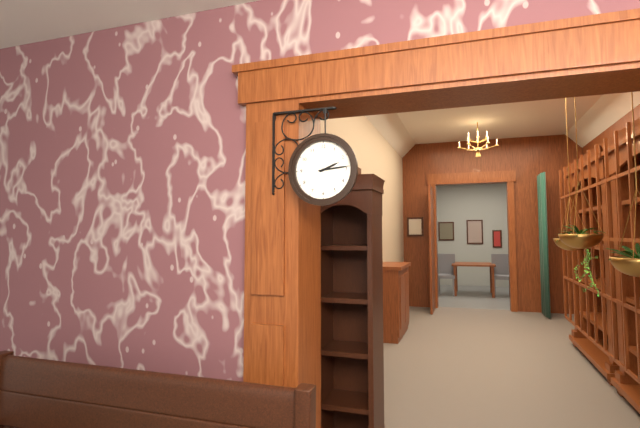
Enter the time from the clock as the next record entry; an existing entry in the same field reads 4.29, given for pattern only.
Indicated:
2.14
